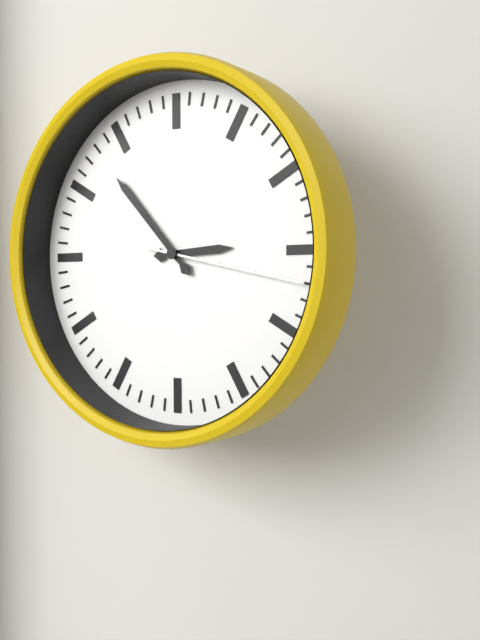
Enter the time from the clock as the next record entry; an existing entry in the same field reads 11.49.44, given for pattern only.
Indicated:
2.53.17
